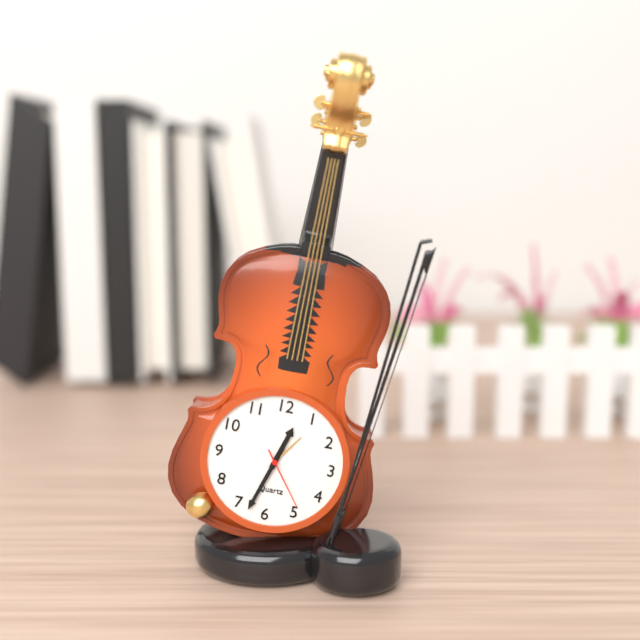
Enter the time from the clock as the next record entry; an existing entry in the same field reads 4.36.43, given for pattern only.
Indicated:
12.33.24
